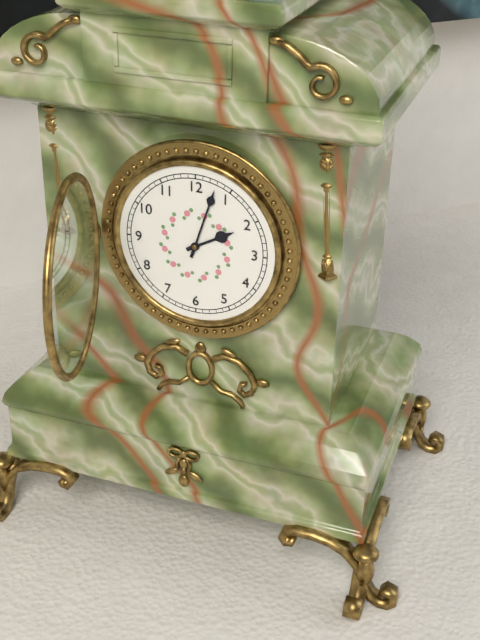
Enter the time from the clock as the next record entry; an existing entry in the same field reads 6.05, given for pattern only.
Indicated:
2.03
